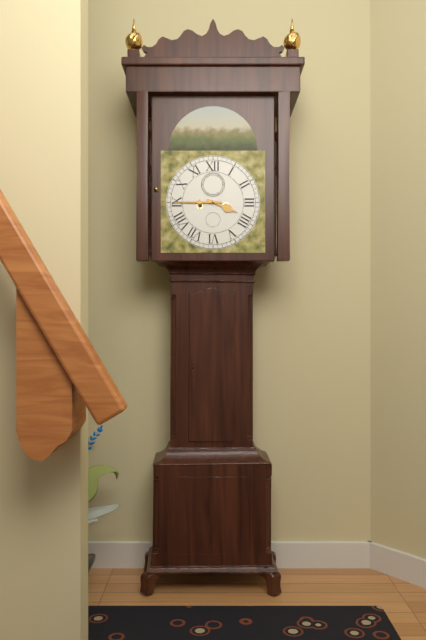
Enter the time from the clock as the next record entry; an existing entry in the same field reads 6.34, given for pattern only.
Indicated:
3.45
